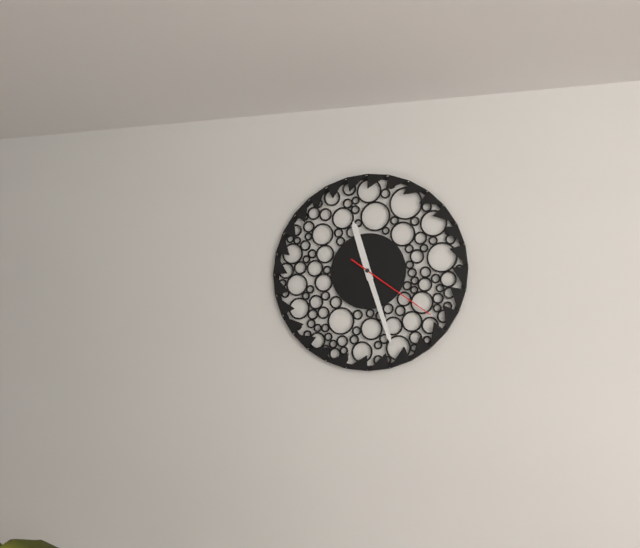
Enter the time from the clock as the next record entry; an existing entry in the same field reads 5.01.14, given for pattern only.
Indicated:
11.27.21
